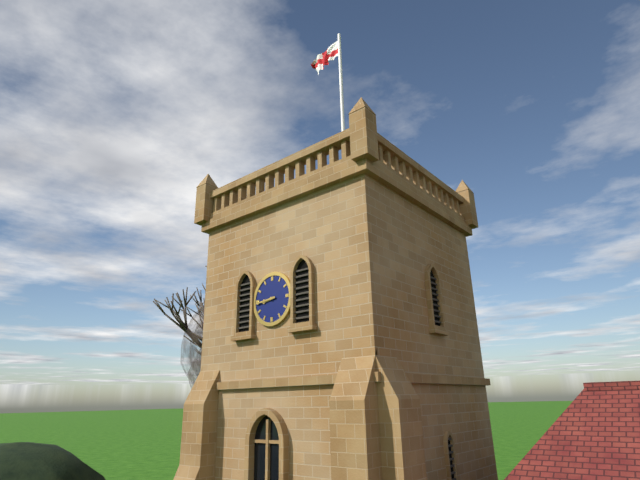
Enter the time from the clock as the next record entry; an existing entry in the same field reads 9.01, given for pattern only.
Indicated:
8.44
